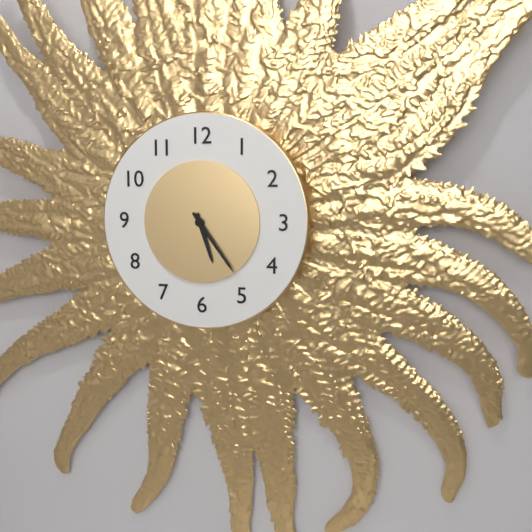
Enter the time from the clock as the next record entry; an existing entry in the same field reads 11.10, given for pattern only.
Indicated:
5.24
